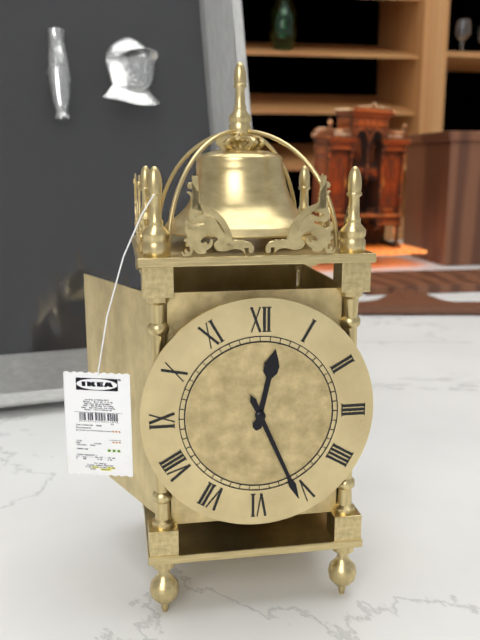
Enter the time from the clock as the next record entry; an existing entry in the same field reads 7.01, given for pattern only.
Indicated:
12.26
